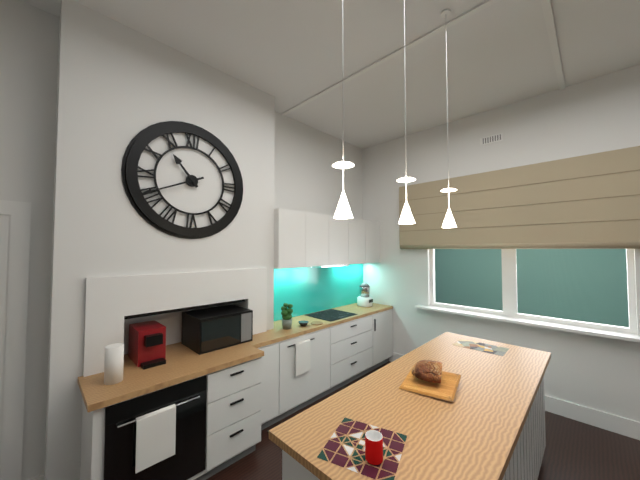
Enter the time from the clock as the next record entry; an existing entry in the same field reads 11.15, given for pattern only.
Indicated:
10.41
